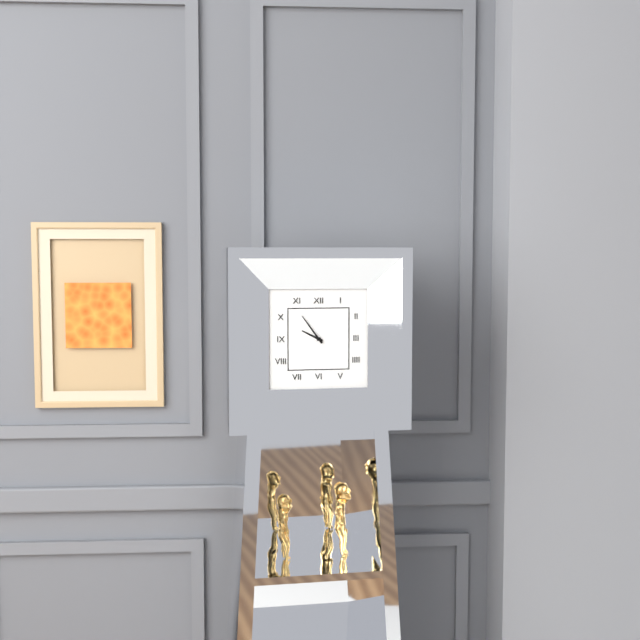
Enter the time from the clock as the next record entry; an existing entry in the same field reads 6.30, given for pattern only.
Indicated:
9.54
